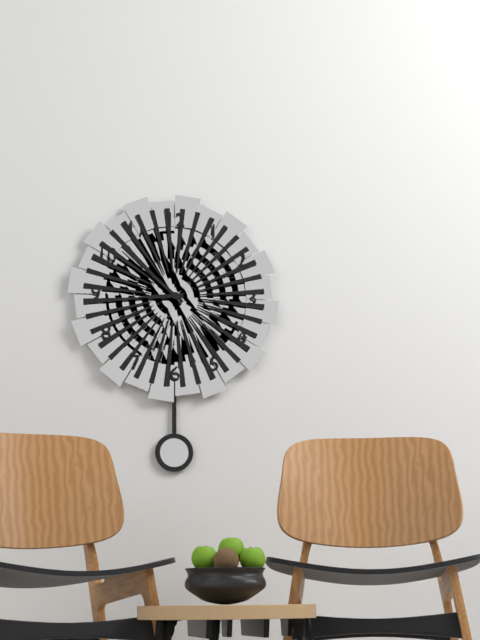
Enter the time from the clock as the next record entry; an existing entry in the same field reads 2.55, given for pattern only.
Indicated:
8.52
